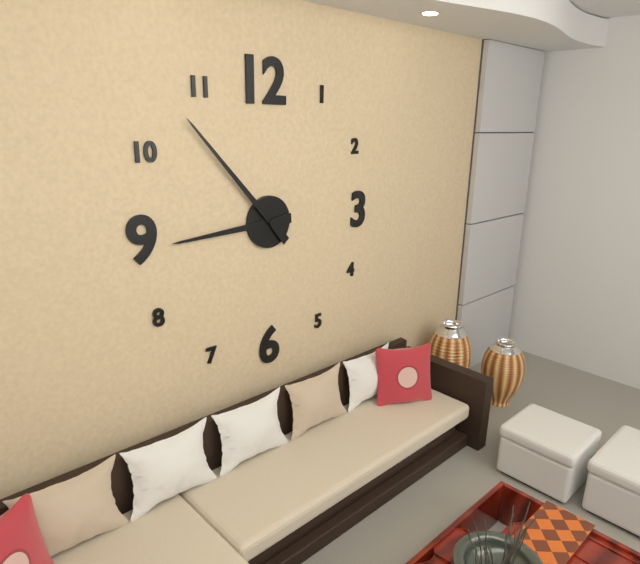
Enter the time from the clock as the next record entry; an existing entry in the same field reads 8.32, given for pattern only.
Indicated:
8.53
